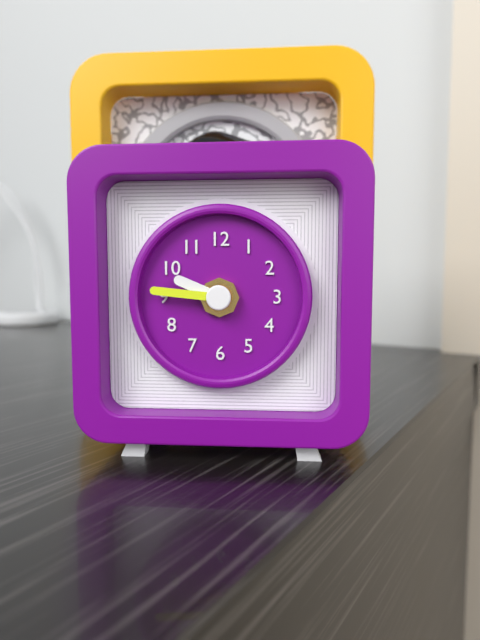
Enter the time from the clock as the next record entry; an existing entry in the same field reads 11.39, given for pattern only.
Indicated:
9.46
